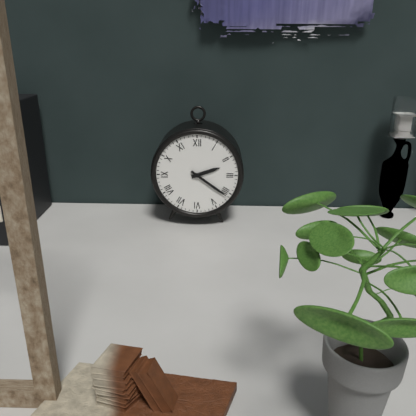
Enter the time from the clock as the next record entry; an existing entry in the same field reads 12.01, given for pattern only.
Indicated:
2.21
